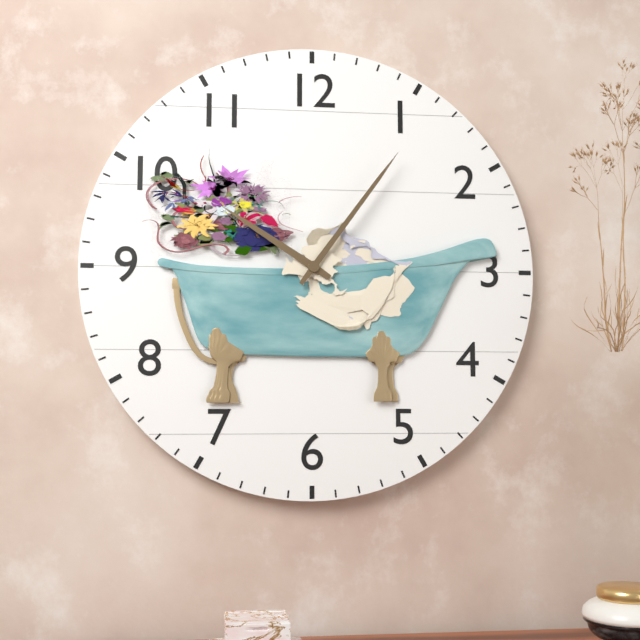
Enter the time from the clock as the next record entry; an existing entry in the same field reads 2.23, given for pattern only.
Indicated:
10.06
